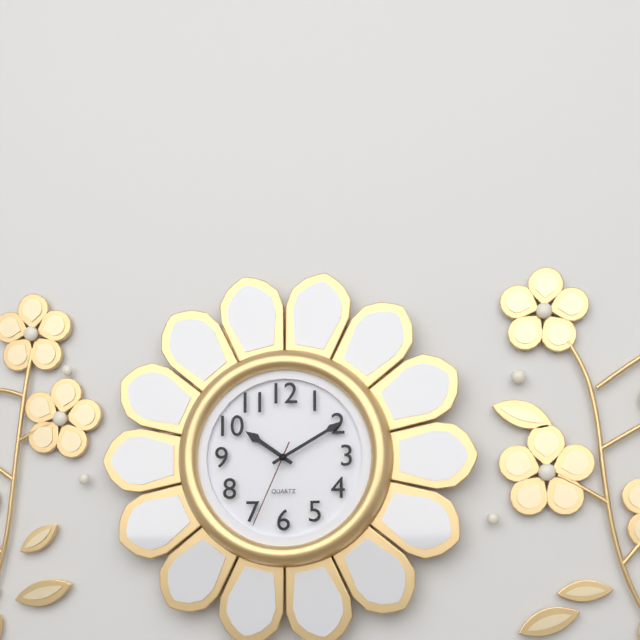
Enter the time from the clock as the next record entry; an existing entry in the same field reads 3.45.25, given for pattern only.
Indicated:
10.10.34
